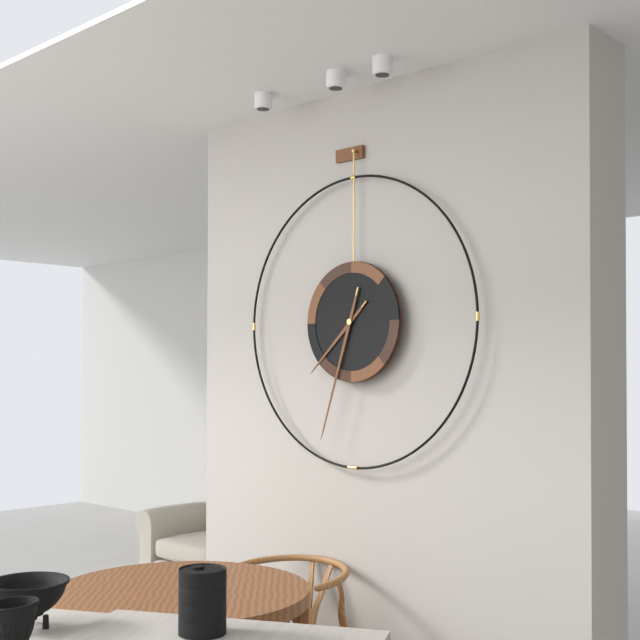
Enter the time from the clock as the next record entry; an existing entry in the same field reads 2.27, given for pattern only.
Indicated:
7.33
